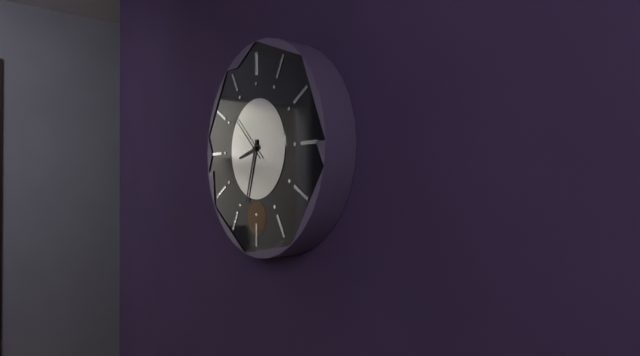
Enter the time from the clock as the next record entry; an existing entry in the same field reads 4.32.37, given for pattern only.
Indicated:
8.33.52
